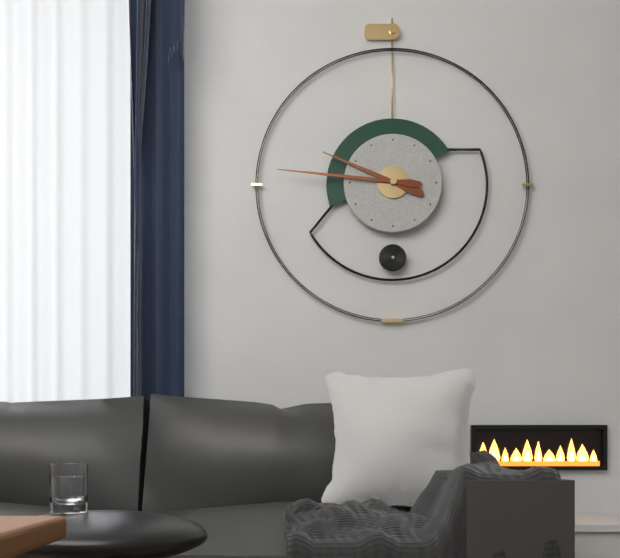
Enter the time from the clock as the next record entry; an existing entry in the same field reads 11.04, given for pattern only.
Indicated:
9.46
